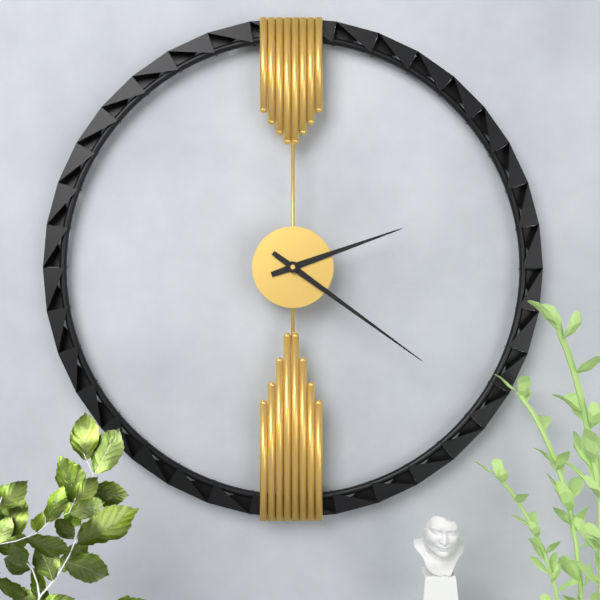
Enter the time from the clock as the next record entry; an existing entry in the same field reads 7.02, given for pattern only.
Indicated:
2.21
